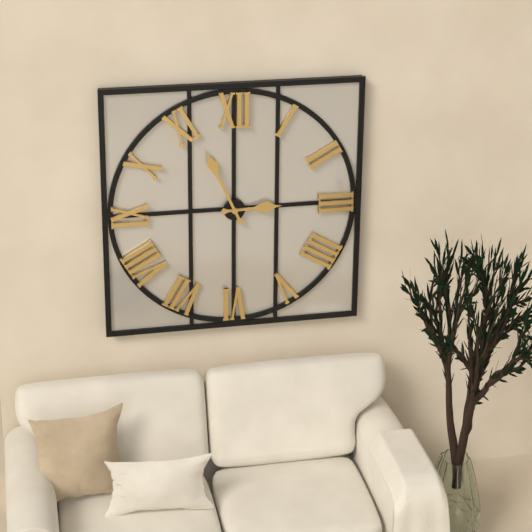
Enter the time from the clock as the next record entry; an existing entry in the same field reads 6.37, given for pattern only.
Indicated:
2.56
